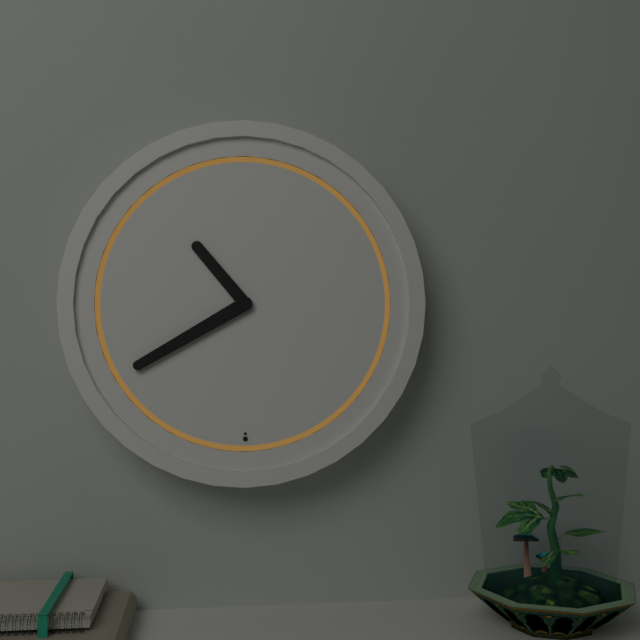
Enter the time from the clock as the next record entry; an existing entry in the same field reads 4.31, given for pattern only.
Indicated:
10.40
